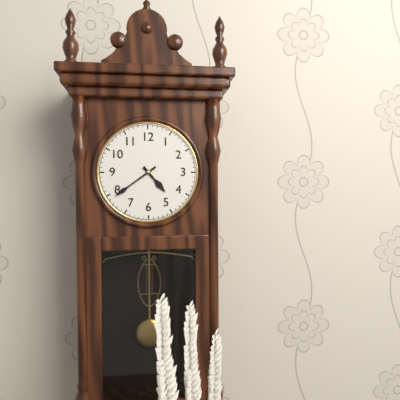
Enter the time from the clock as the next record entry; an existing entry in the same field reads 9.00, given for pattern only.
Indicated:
4.39
